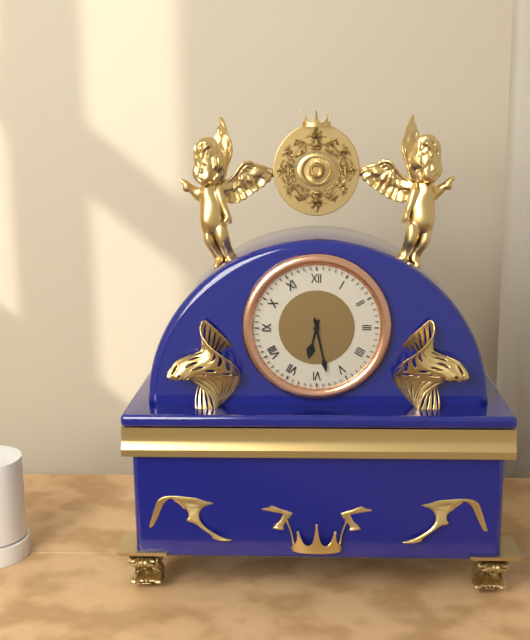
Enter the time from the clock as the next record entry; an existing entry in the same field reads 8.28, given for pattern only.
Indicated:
6.28
